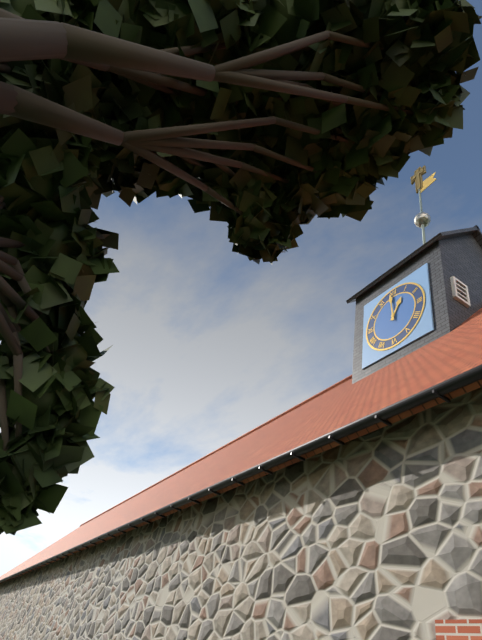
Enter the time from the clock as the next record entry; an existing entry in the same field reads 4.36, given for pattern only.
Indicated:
12.59
